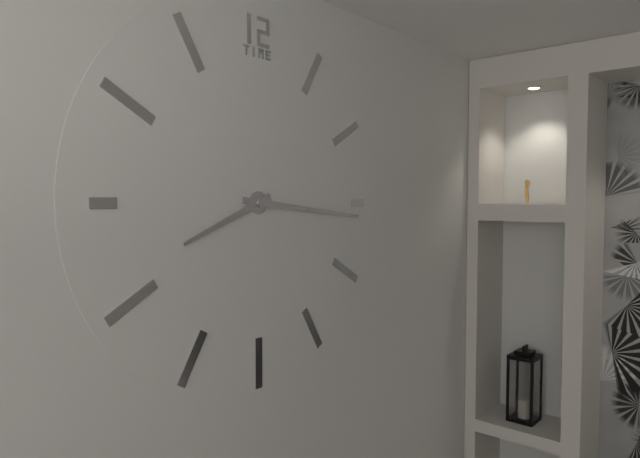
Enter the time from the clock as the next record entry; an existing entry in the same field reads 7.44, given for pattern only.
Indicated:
8.16
